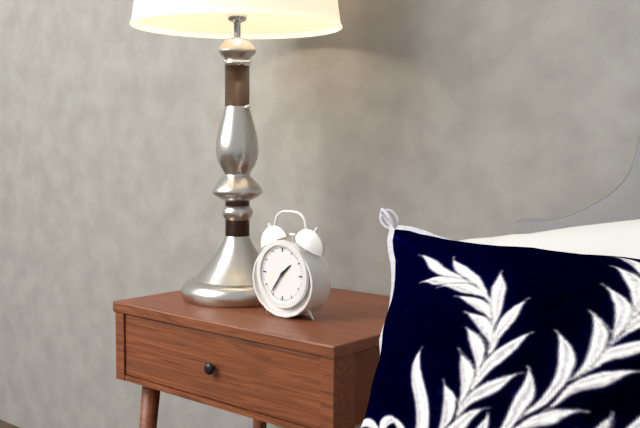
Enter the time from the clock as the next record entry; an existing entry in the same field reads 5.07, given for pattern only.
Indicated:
1.36
